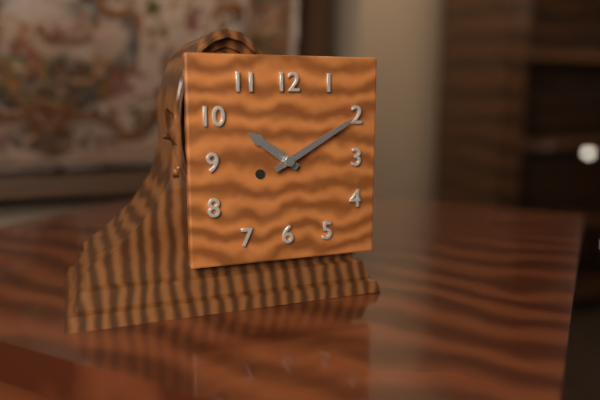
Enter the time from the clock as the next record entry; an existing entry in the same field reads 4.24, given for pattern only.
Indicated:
10.10
